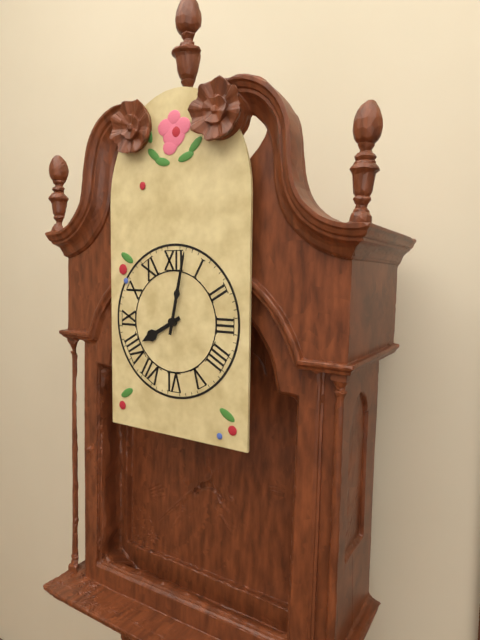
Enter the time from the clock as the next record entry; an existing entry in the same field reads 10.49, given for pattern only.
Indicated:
8.02
